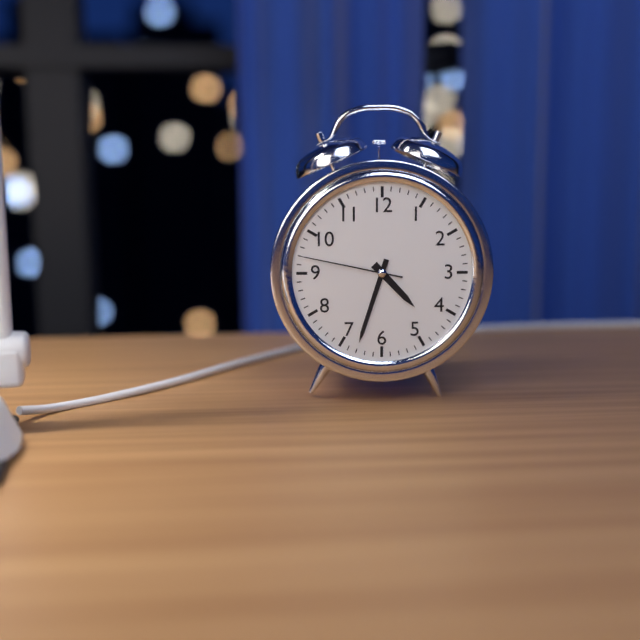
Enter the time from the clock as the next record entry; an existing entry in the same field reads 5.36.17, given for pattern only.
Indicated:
4.33.47
